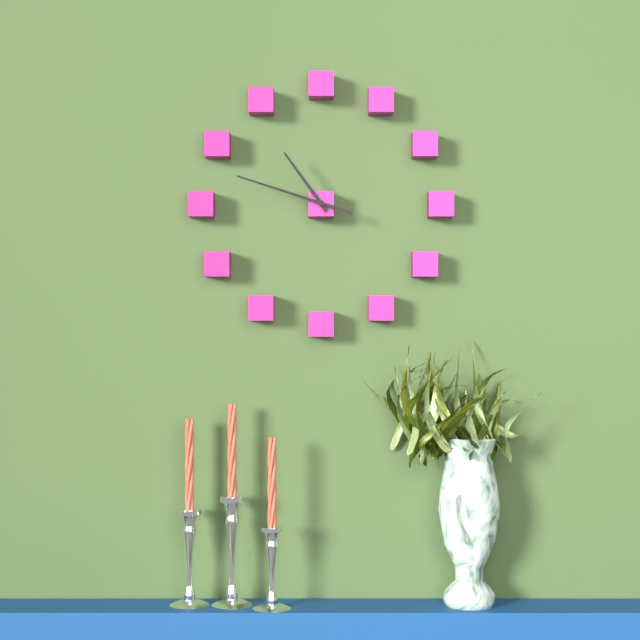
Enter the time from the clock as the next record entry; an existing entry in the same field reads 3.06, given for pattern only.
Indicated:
10.48
